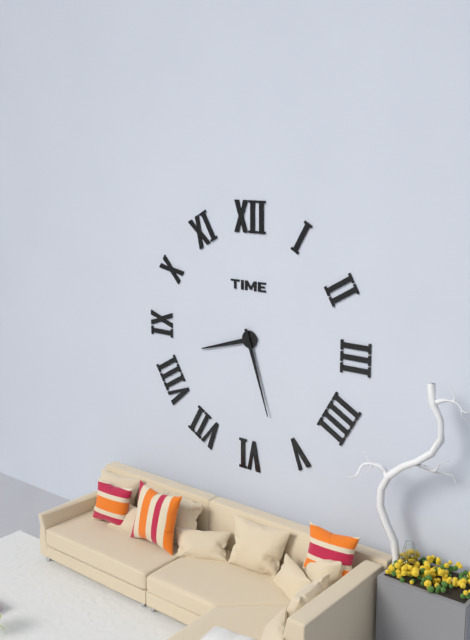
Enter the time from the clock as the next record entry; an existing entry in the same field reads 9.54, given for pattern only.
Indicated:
8.27
